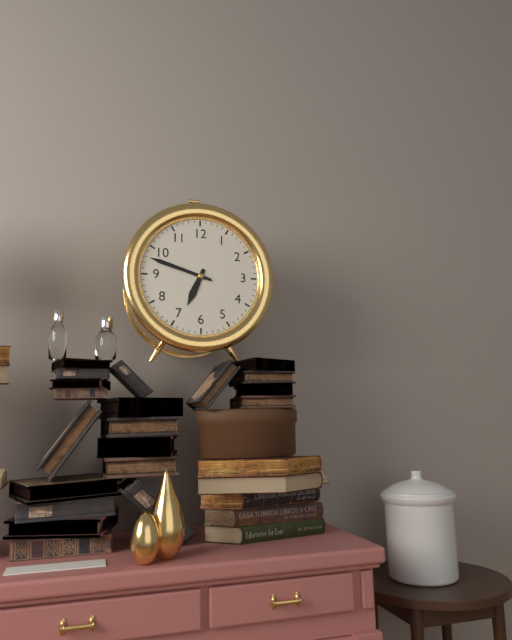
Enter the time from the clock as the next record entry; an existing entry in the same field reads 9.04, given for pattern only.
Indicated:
6.48
